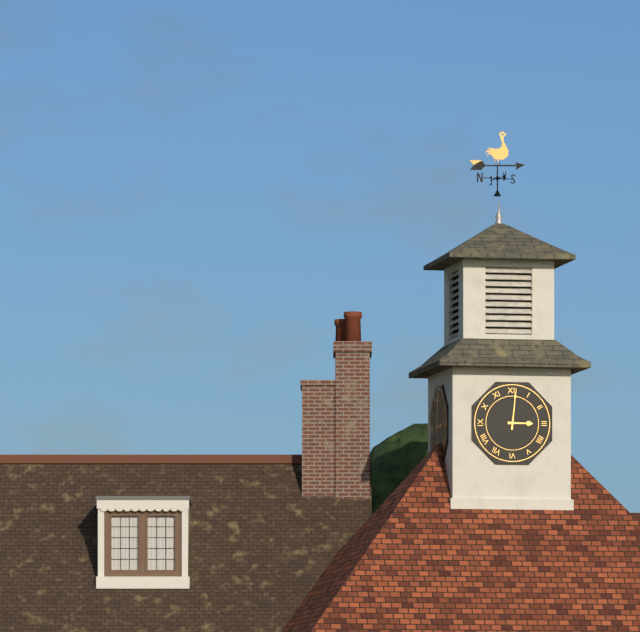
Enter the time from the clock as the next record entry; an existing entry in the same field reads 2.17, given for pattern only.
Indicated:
3.01
